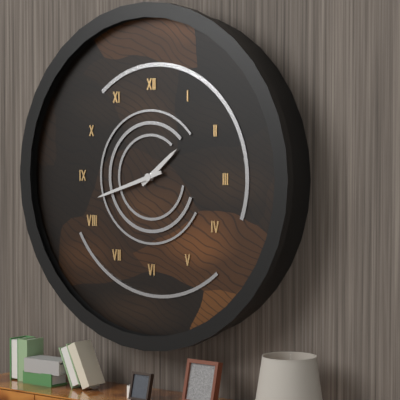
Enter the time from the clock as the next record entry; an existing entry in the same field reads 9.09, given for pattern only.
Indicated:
1.42
